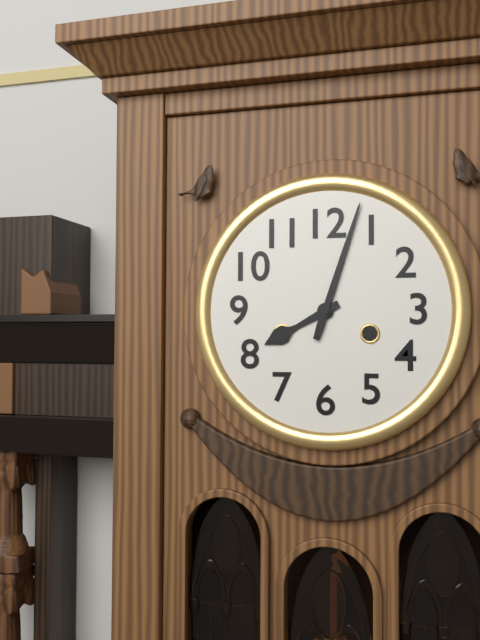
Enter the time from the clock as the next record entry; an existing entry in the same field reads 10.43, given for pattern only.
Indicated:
8.03
